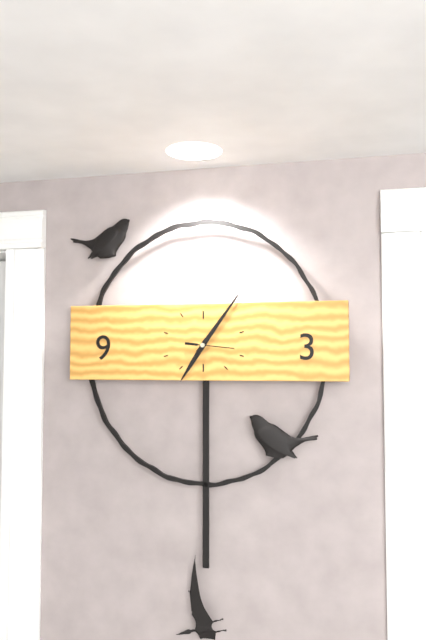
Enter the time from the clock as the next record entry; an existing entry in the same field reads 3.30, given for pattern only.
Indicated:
7.06
